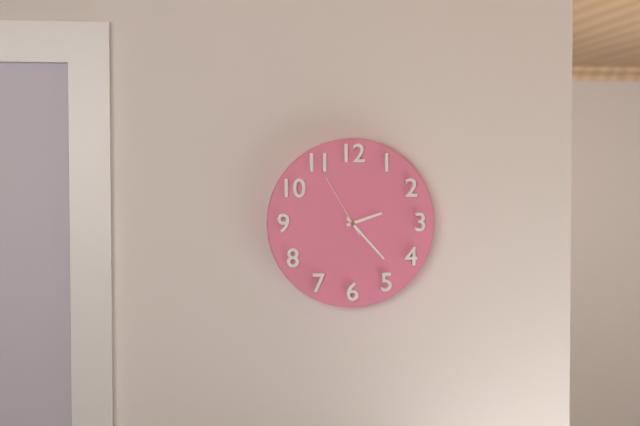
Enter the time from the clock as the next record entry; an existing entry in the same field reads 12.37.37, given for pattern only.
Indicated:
2.23.55
